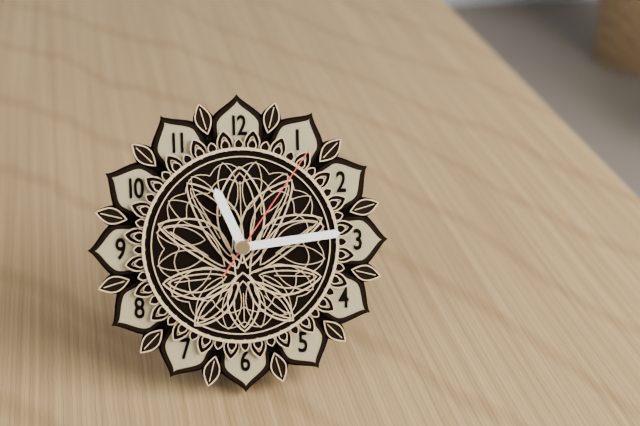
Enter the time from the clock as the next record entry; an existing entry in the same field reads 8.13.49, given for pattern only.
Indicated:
11.14.06
